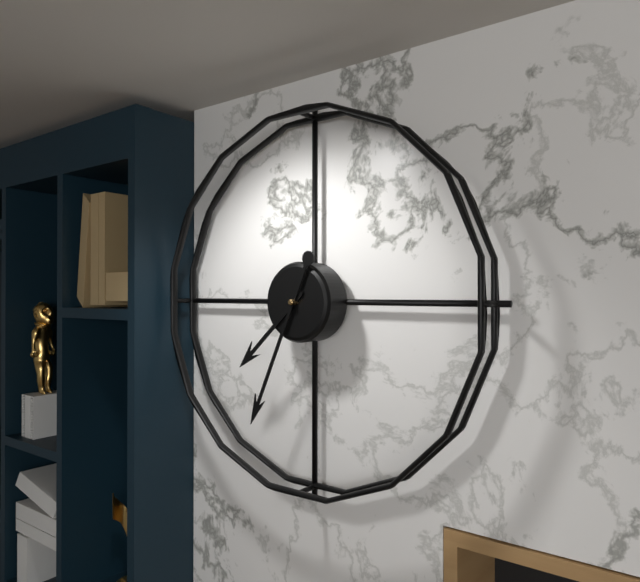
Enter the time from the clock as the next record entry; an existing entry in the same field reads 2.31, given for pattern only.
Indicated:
7.34
